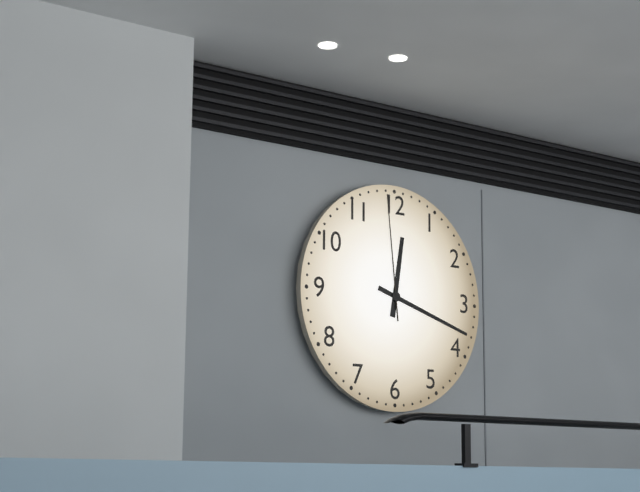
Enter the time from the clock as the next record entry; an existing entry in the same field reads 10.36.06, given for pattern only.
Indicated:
12.18.59
